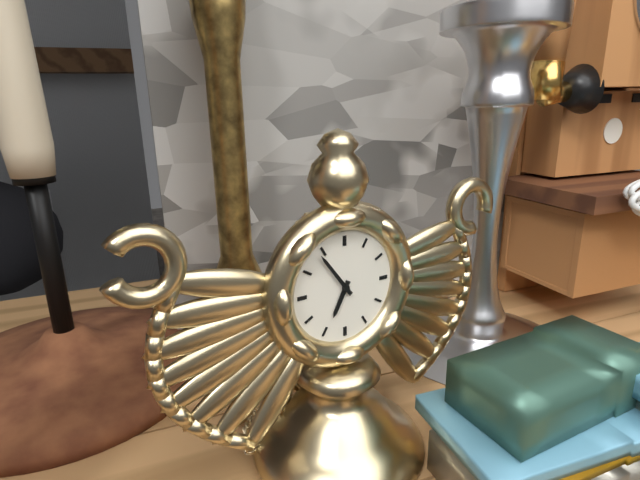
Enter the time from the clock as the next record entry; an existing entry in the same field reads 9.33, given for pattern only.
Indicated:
6.54
